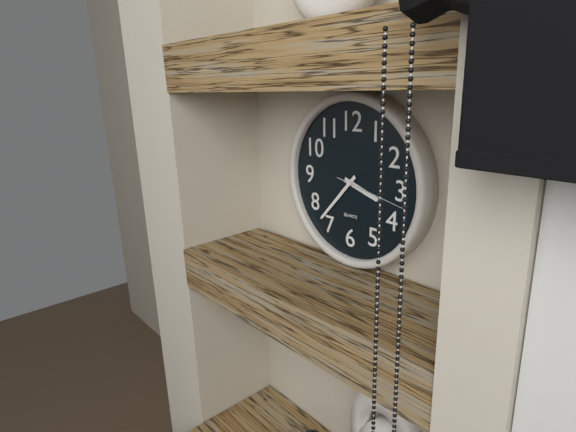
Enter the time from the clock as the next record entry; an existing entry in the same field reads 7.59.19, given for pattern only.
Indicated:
3.37.17
